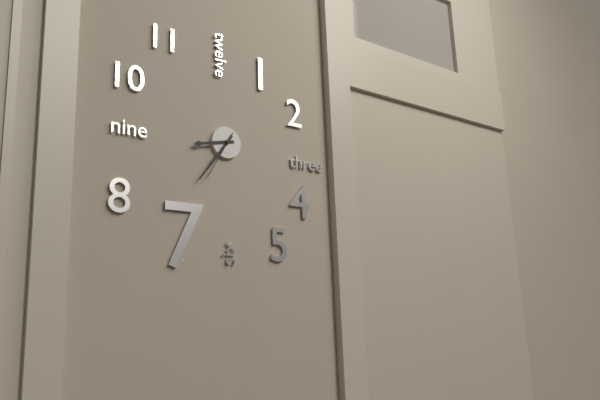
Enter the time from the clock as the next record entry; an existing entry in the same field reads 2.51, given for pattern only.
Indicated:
8.36
